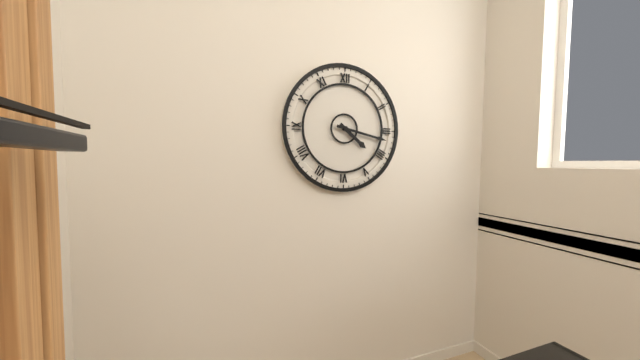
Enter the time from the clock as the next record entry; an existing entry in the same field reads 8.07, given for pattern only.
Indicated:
4.17
